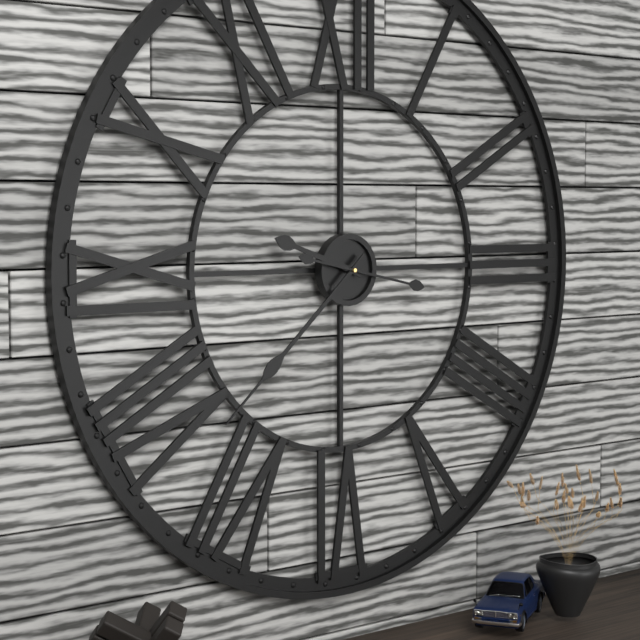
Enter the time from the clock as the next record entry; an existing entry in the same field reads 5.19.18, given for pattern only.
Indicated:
9.38.17
